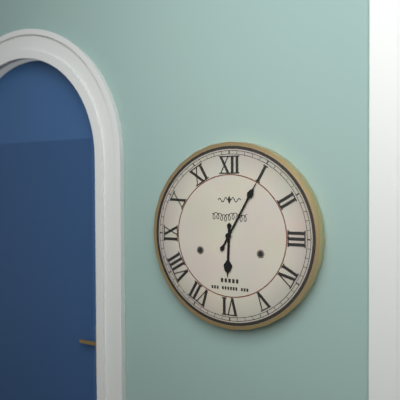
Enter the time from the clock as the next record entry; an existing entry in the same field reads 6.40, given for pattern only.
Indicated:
6.05
